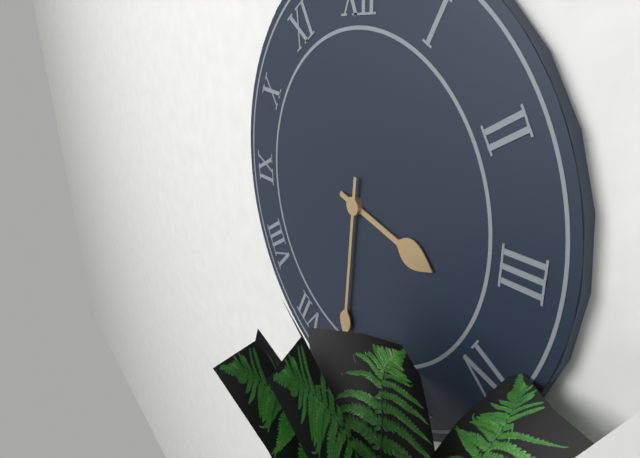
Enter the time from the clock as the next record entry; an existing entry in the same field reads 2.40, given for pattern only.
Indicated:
3.31
